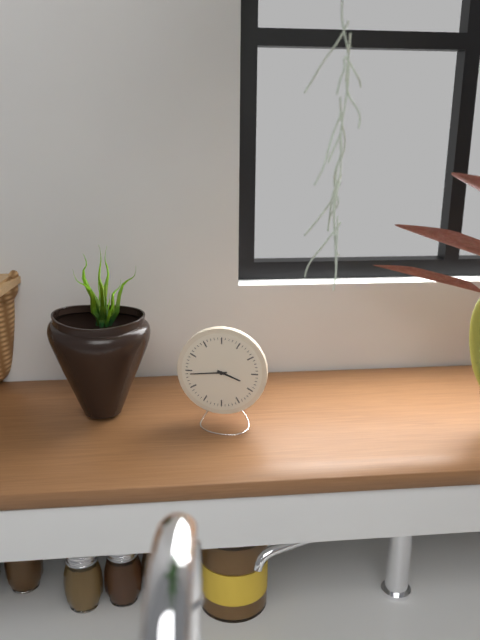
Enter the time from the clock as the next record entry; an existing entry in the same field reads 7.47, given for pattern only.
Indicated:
3.44
